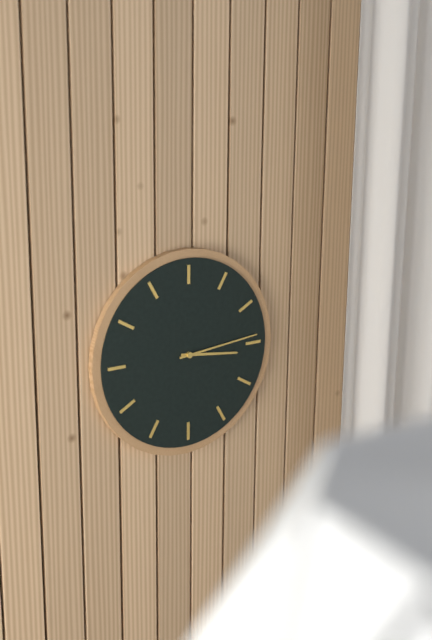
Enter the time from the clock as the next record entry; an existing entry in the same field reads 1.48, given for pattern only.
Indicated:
3.14
